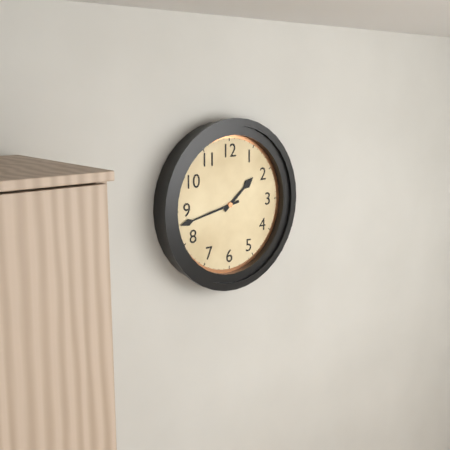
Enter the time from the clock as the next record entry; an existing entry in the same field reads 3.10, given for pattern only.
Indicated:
1.43
